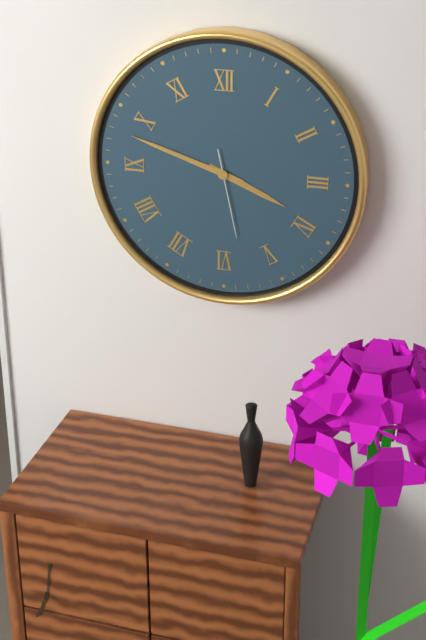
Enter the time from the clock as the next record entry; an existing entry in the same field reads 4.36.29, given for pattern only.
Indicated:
3.48.28
